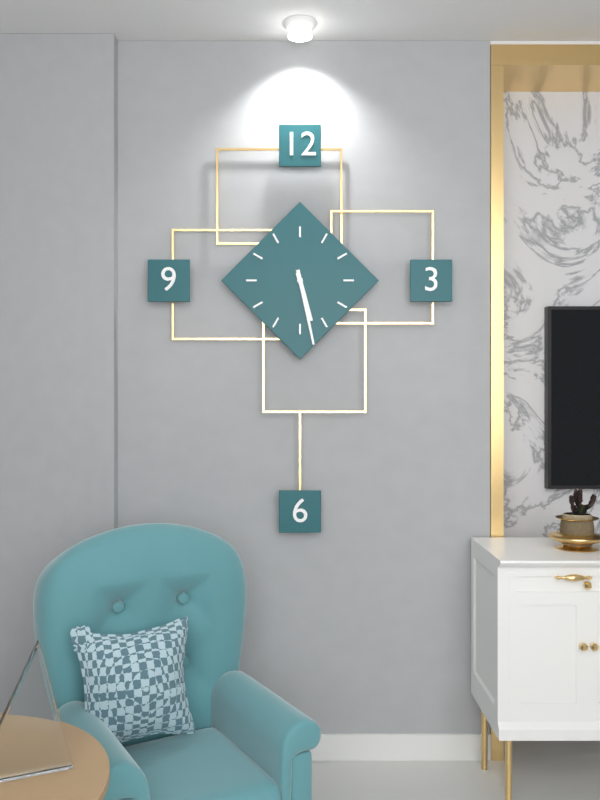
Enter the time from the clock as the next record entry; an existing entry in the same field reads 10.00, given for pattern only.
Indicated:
5.28
